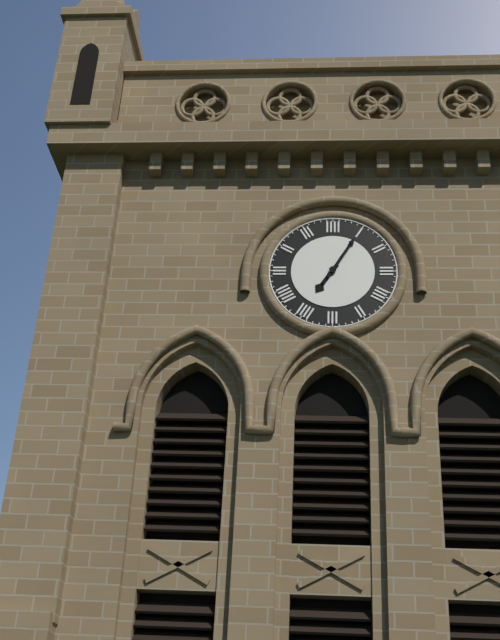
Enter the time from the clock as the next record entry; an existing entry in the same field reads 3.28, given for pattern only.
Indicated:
7.05
